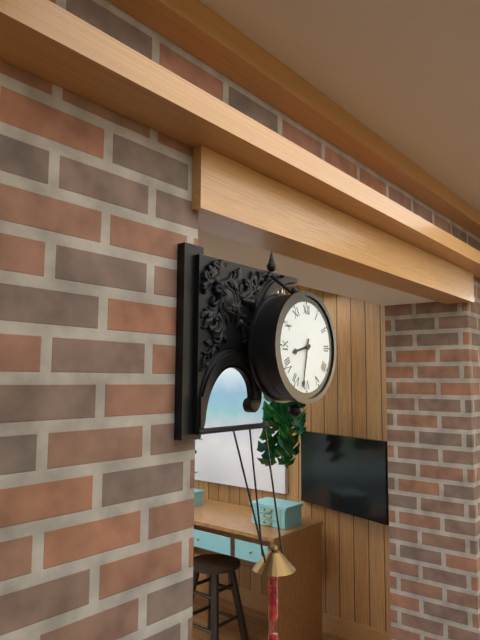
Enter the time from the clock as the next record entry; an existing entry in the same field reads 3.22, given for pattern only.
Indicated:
8.32
